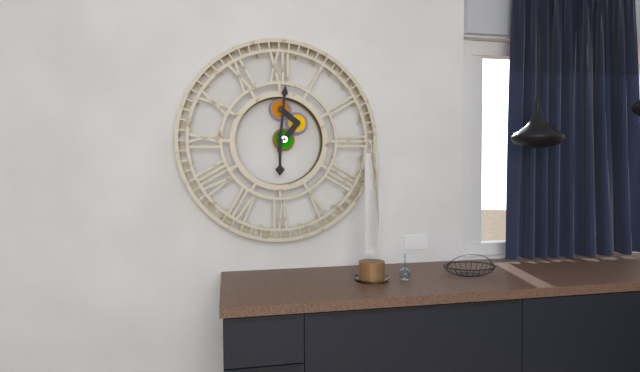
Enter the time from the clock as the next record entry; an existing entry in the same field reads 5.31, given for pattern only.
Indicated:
6.01
